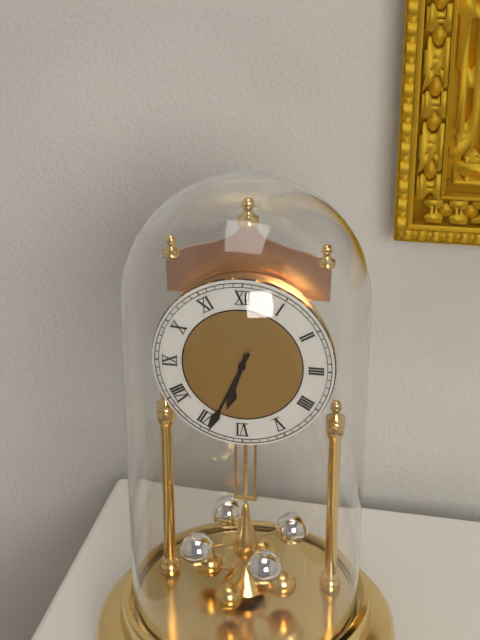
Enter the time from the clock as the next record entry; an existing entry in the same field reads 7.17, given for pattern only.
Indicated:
6.34
